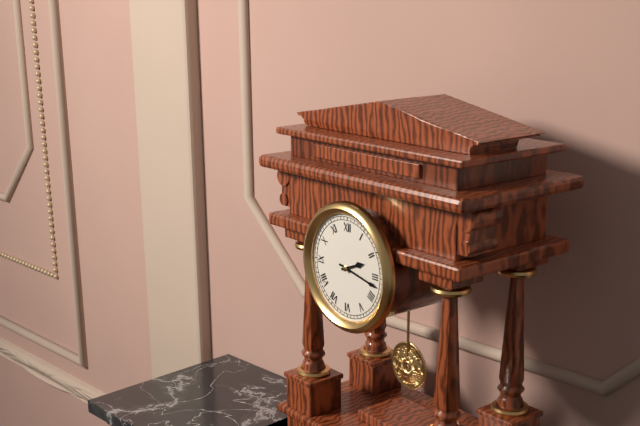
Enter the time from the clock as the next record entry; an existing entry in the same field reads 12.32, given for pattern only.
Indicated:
2.17
